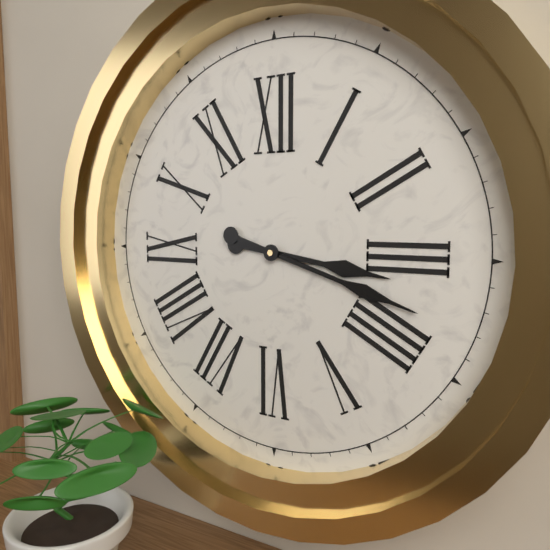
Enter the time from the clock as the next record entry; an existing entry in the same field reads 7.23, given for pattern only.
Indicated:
3.18
